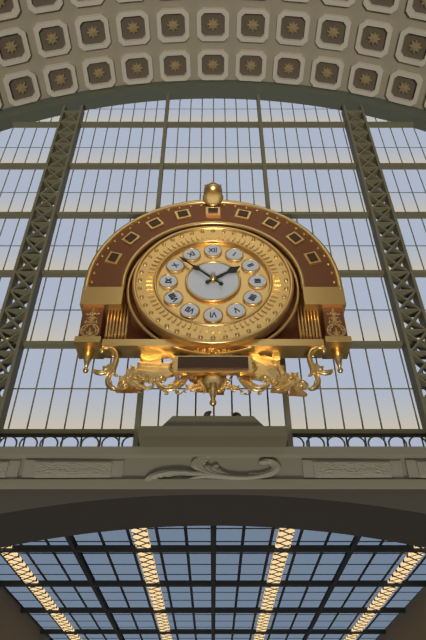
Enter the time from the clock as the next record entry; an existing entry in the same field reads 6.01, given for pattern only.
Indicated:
1.52
